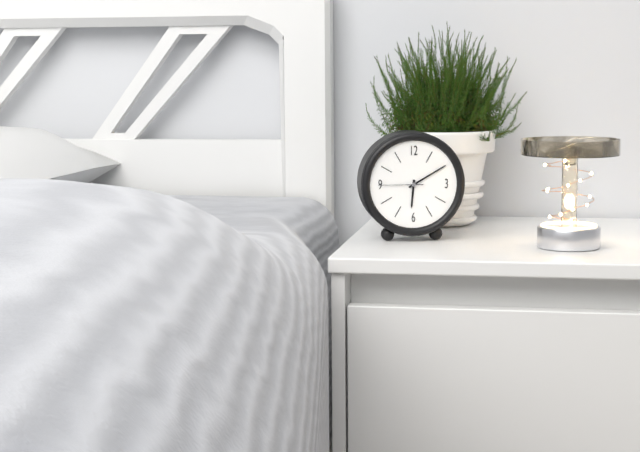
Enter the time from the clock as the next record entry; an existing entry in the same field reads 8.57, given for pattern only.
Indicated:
6.10
